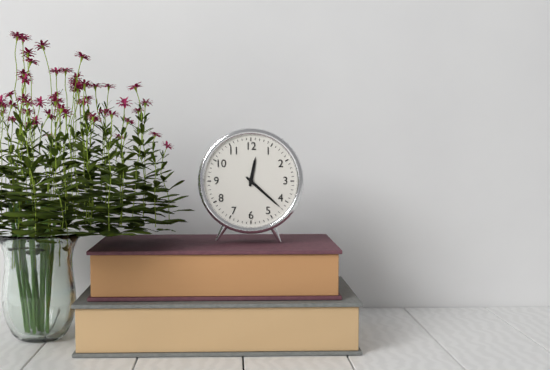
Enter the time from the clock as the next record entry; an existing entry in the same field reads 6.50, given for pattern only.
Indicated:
12.22
